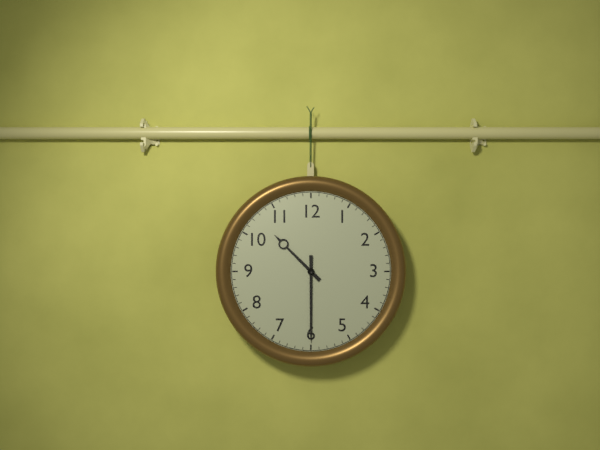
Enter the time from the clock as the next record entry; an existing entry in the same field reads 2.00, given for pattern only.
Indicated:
10.30
